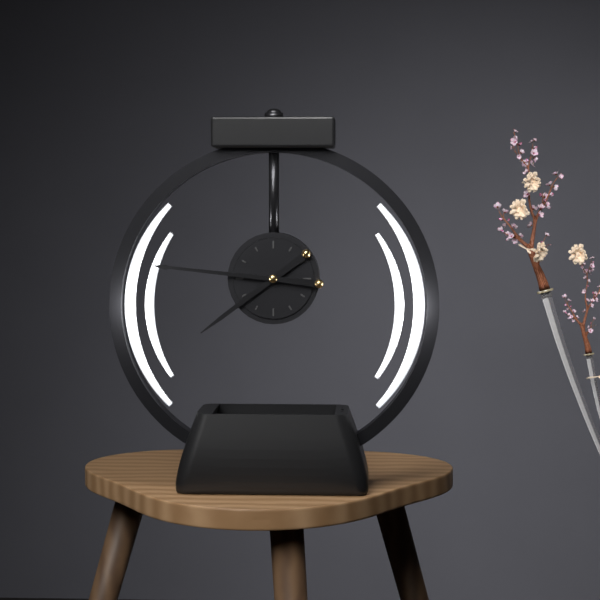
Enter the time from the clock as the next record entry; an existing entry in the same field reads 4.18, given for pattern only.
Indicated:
7.46
